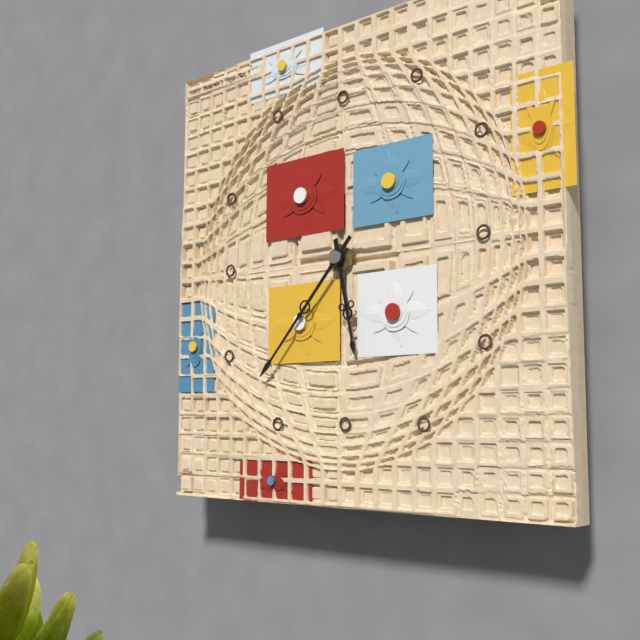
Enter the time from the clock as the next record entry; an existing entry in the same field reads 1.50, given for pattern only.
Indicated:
5.37
